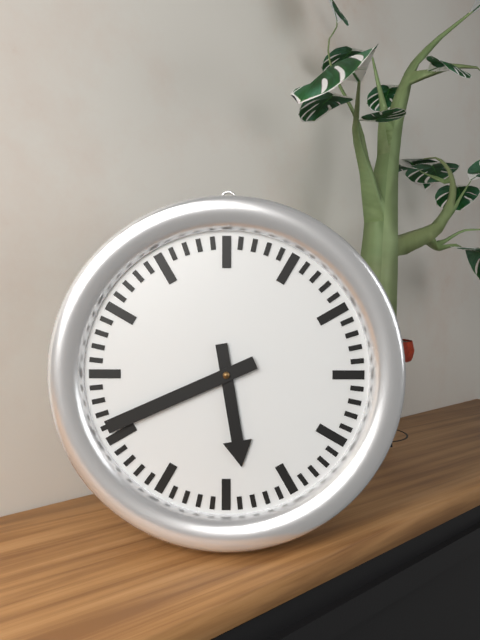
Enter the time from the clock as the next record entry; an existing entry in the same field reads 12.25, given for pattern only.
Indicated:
5.41
